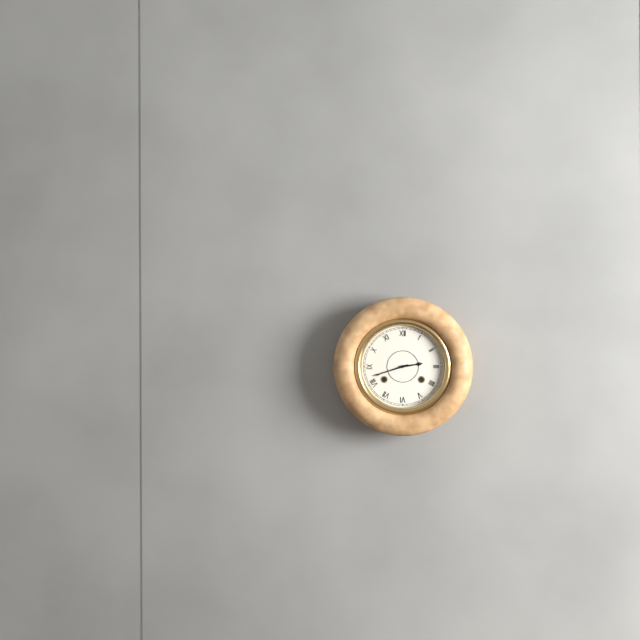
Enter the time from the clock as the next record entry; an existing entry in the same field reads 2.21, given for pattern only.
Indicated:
2.42
